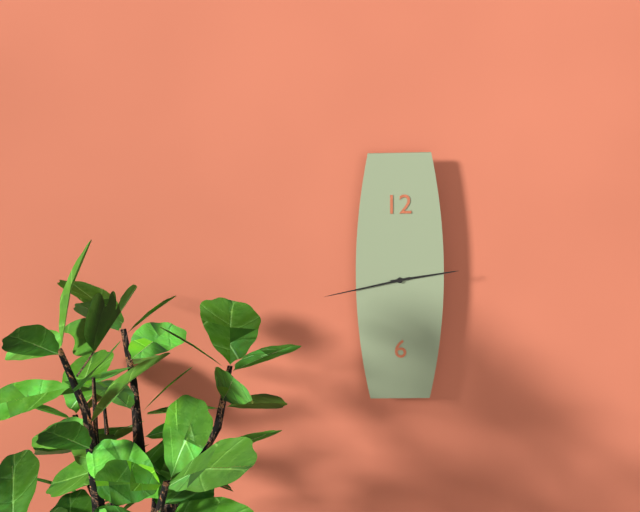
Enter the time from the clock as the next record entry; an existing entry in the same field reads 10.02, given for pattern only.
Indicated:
2.43
